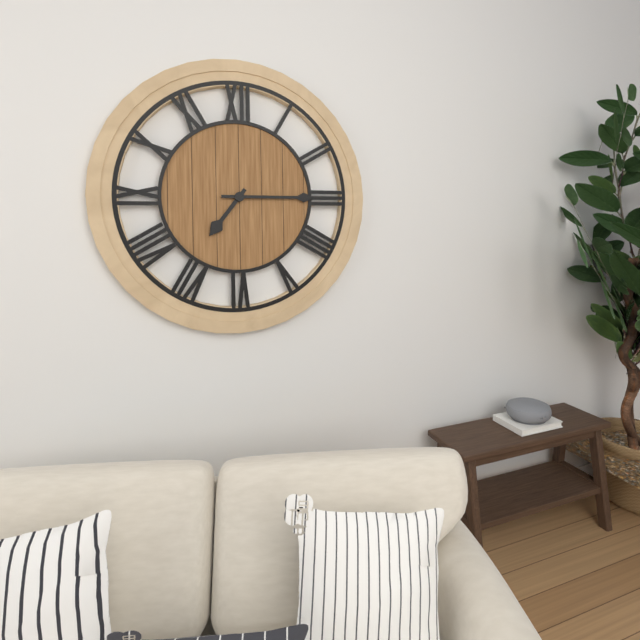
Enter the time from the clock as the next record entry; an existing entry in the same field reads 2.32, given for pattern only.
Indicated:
7.15
